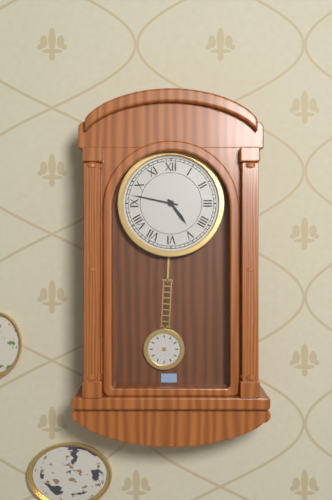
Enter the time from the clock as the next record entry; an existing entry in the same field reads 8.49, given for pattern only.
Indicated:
4.47
